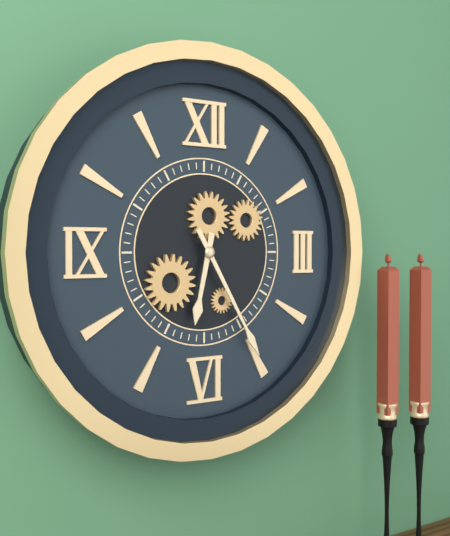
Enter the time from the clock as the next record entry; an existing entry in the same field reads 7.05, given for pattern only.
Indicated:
6.25
